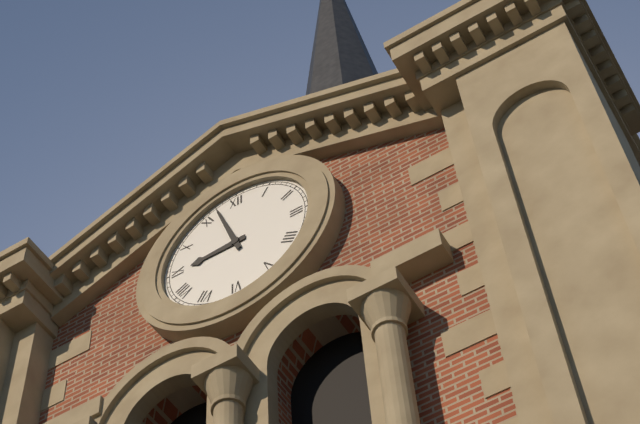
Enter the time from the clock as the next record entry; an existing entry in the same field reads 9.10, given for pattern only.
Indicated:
8.57
